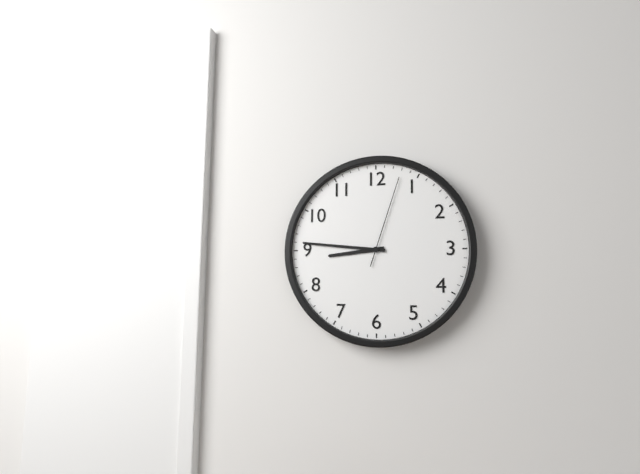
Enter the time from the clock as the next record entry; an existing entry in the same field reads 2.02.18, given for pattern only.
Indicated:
8.46.03
